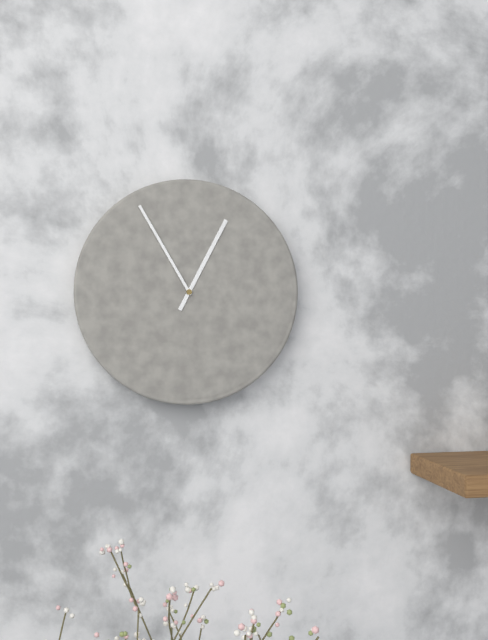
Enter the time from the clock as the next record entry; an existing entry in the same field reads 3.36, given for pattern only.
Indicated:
12.55
